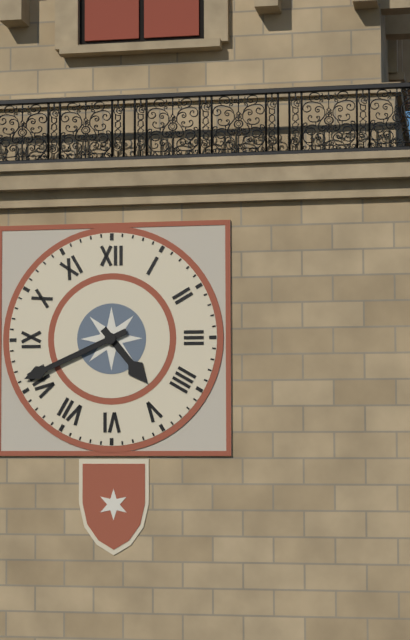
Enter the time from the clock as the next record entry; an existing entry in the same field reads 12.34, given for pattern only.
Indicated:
4.41
